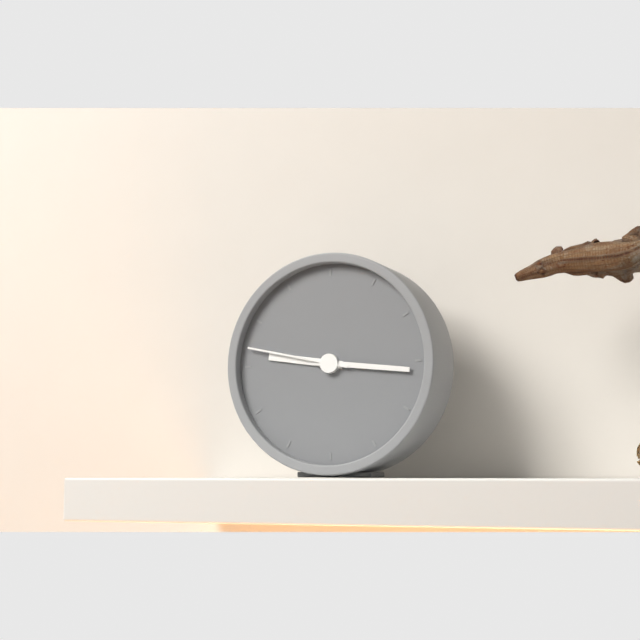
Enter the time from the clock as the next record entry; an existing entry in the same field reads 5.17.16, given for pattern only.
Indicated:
9.16.47
